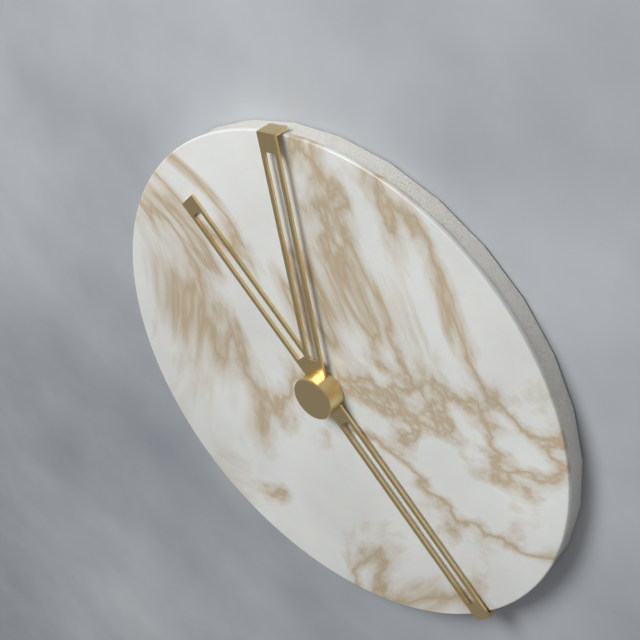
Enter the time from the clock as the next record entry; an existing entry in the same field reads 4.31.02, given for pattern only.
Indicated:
10.22.58
